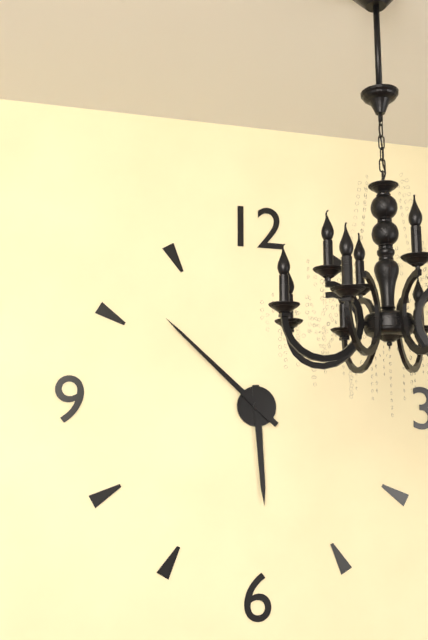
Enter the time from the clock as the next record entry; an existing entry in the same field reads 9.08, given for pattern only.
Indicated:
5.52
